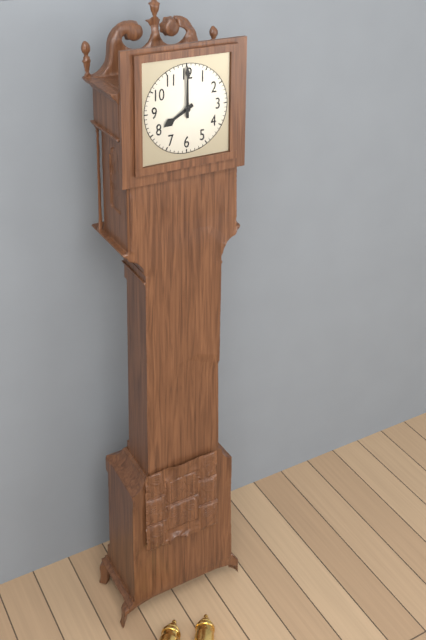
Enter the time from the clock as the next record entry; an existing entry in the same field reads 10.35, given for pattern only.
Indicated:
8.00
